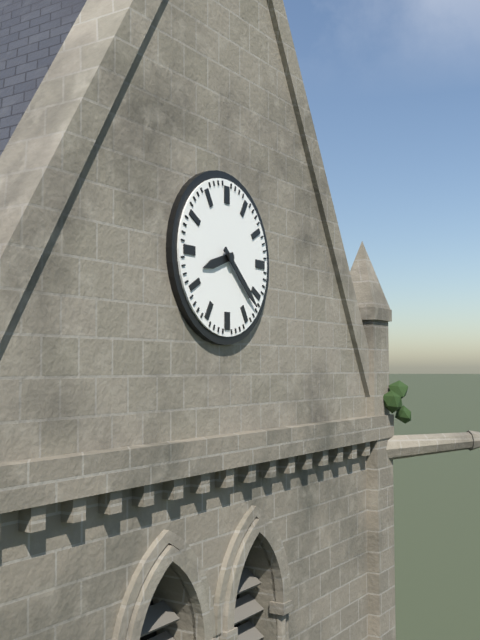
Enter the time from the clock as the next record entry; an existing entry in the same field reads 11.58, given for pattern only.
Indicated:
8.22
